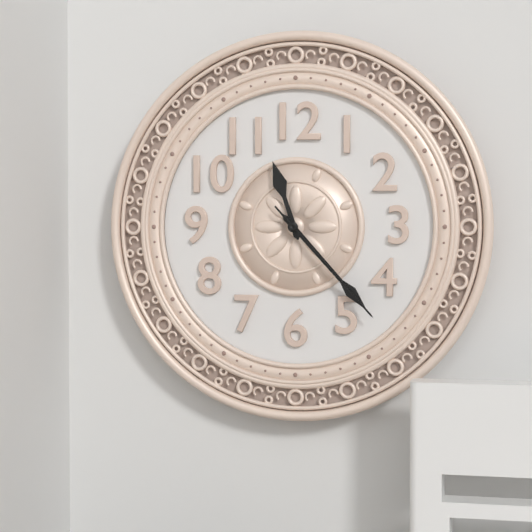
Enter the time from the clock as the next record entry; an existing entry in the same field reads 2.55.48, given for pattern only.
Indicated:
11.23.23
